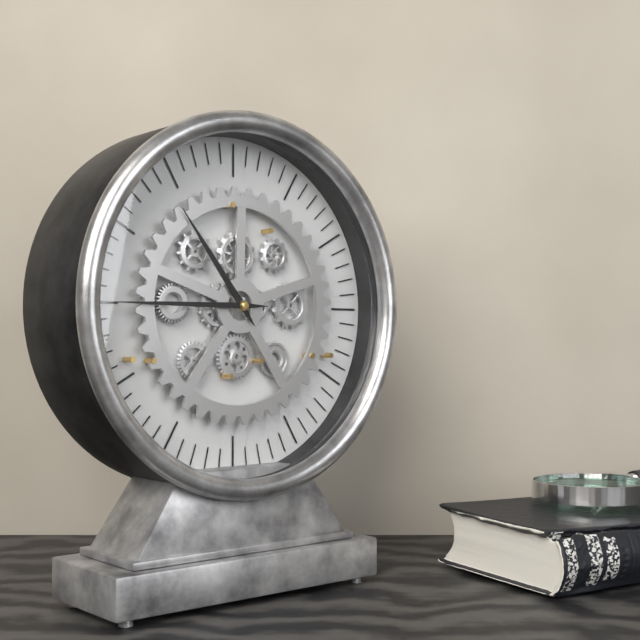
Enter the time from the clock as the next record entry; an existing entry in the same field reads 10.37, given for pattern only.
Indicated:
10.45
